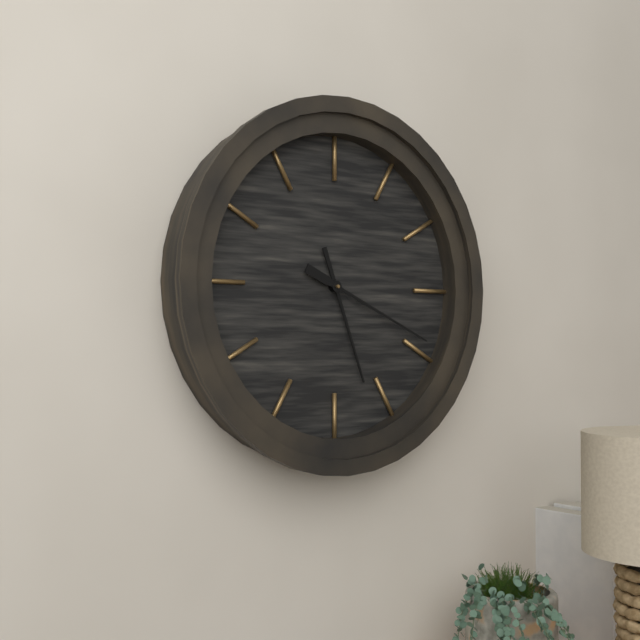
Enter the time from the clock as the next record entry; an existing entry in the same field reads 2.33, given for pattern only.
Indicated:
5.19
